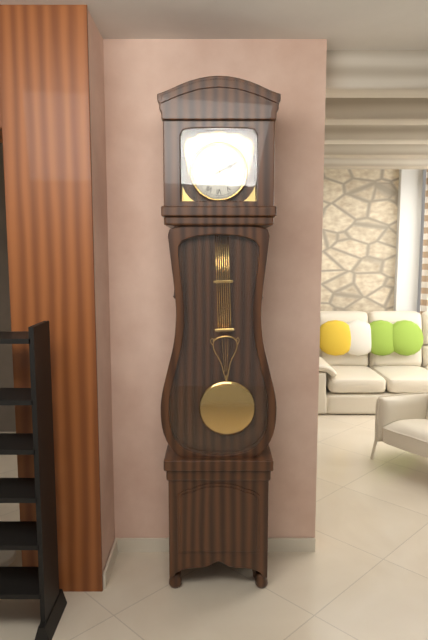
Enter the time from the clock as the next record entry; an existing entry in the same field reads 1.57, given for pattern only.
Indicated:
2.11
